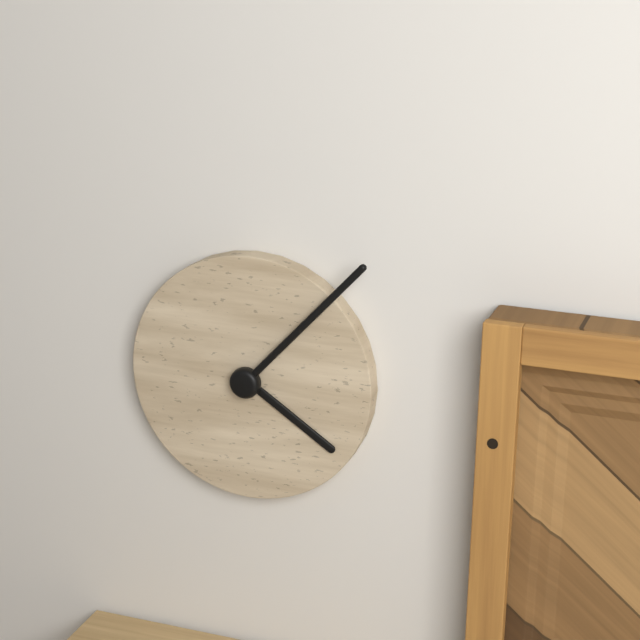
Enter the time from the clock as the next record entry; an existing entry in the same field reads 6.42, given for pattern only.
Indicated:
4.07
